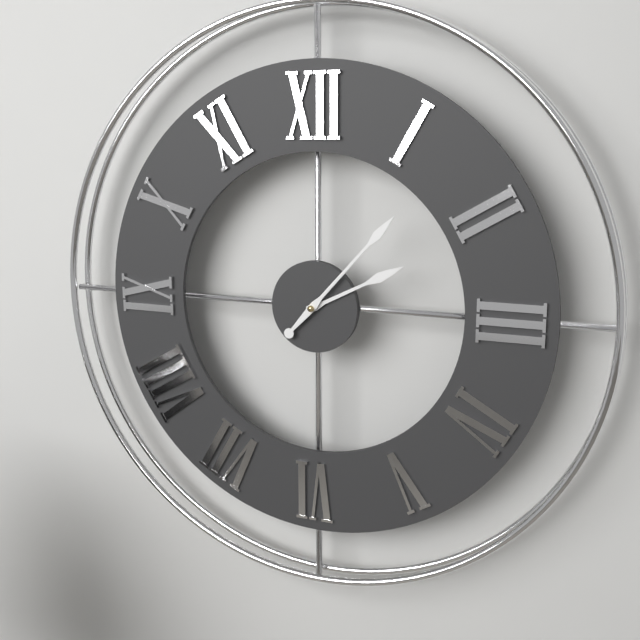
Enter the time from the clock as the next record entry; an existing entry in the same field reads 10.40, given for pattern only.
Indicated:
2.07
